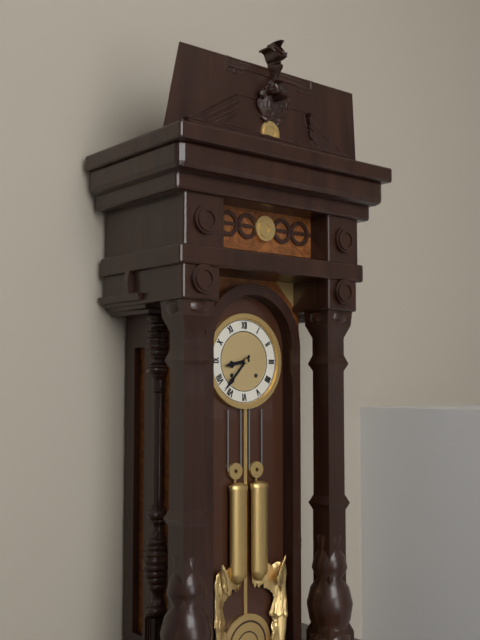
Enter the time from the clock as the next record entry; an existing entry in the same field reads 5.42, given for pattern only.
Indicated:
8.37
